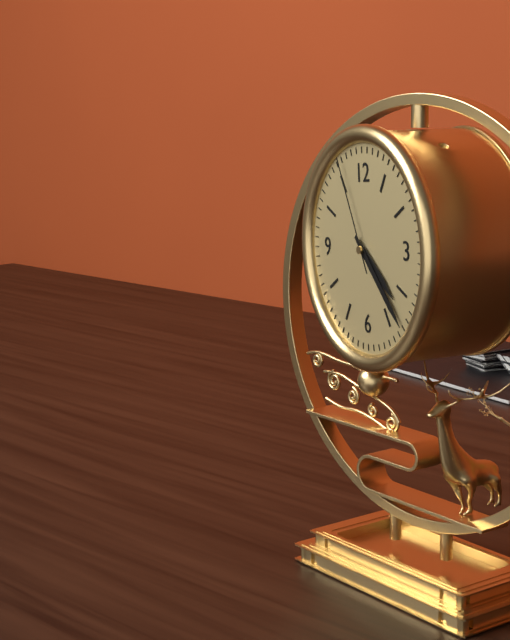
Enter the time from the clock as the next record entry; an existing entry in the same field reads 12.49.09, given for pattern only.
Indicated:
4.23.56
